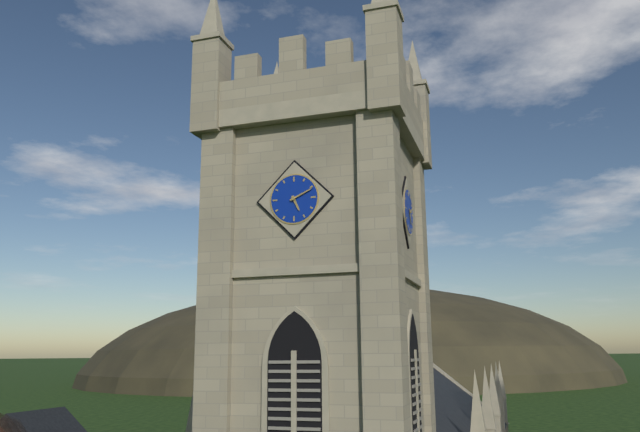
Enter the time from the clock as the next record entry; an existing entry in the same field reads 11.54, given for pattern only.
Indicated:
5.11
